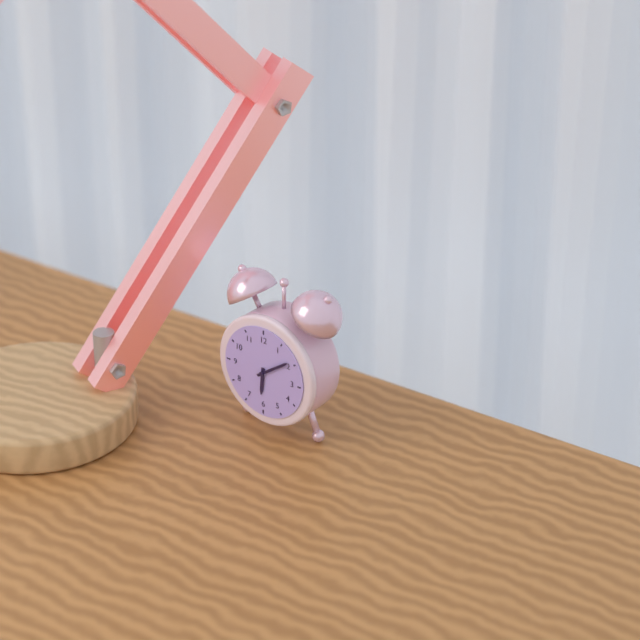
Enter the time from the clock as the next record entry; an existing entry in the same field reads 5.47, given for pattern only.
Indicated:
6.09
